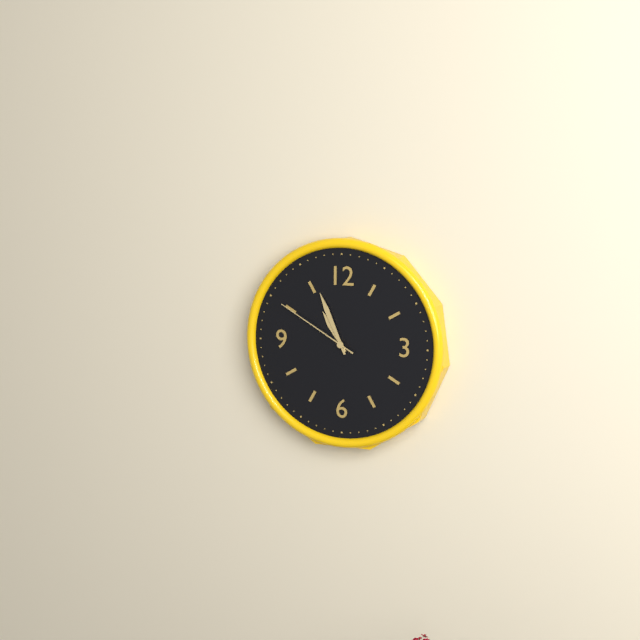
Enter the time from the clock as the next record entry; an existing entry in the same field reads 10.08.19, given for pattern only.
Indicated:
10.56.50
